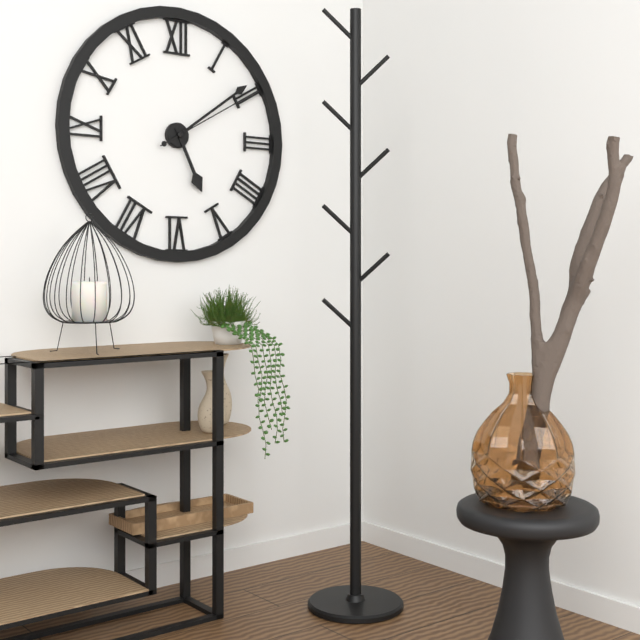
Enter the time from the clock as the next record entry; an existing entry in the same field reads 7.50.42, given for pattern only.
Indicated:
5.09.10
